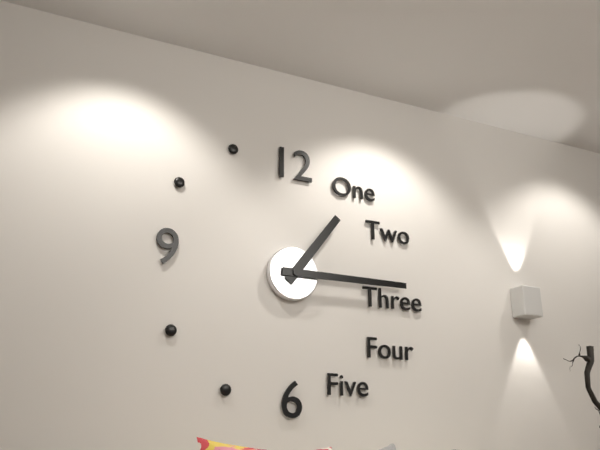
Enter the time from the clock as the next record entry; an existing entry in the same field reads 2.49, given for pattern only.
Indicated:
1.15
